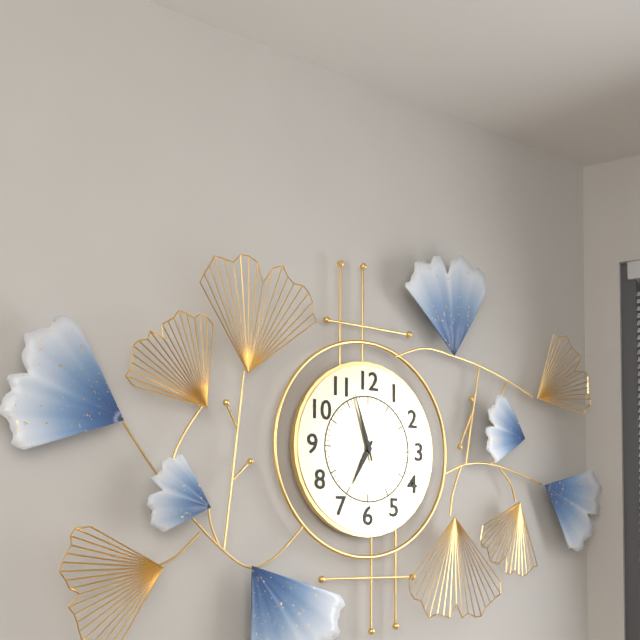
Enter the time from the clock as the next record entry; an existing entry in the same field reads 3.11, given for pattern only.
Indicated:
6.57
